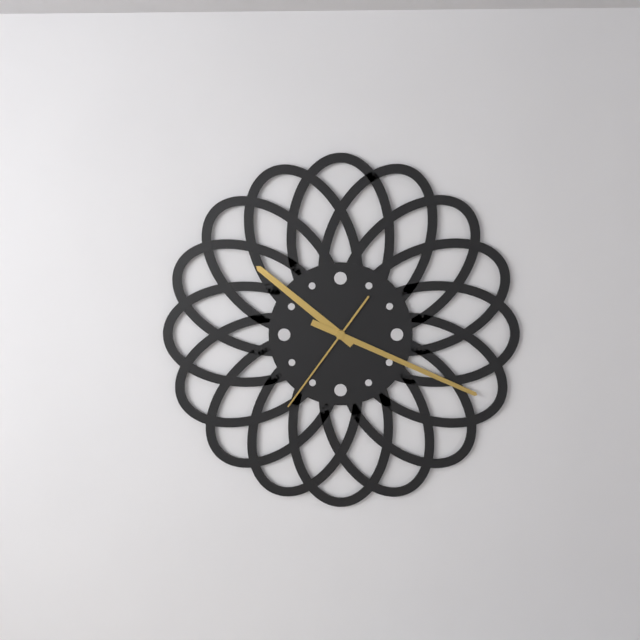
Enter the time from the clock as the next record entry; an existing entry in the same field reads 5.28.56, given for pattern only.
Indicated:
10.19.36
